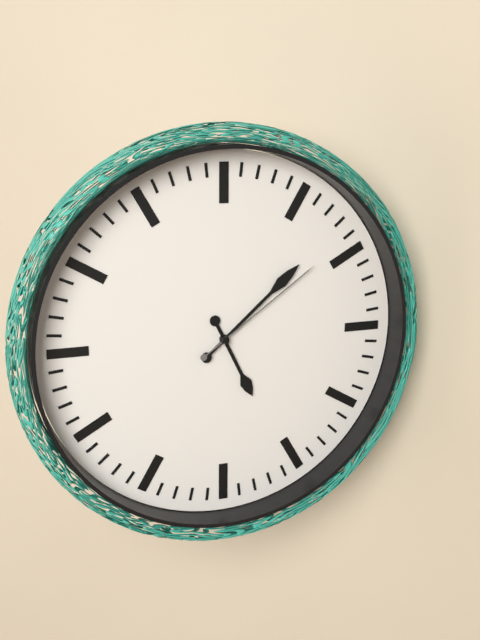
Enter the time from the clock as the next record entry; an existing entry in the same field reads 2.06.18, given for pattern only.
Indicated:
5.08.09
